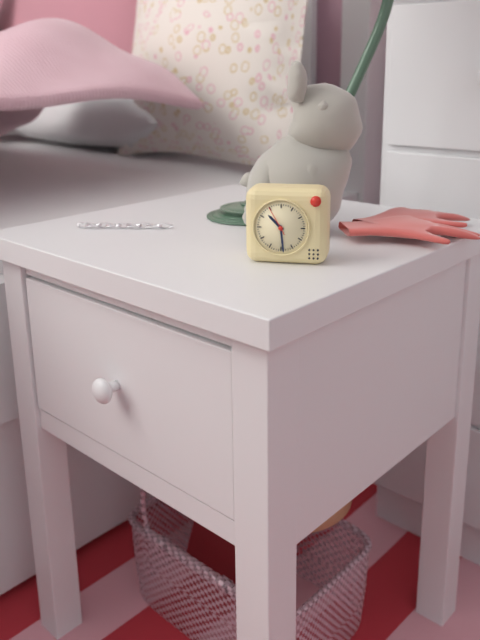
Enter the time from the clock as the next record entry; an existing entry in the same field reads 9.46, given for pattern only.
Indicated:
10.29
